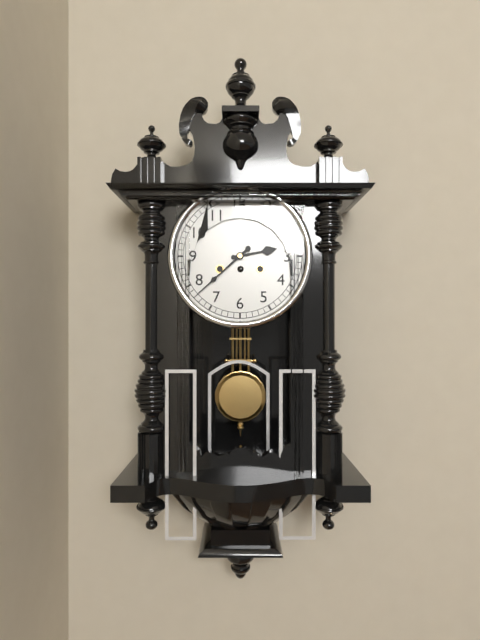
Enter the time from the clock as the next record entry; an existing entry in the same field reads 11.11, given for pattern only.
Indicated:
2.38
